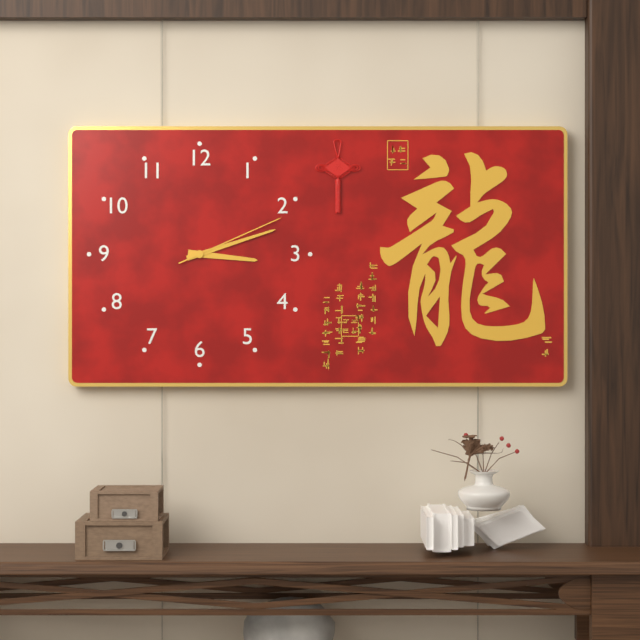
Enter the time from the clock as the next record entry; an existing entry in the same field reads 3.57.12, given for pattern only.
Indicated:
3.12.11
